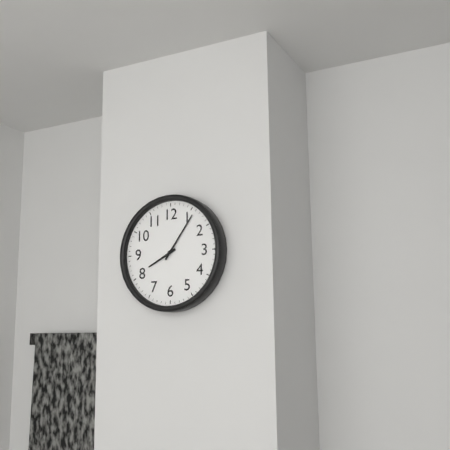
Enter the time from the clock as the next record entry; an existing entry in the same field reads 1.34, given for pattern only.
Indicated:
8.06
